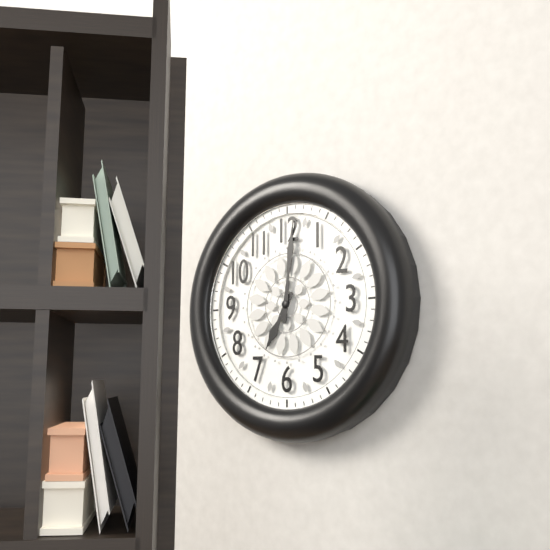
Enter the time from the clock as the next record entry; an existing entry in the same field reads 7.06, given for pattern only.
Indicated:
7.01
